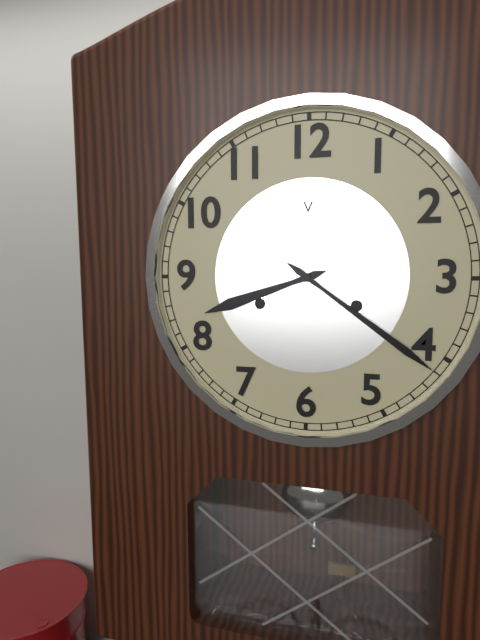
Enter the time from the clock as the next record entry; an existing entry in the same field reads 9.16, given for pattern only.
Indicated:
8.21
